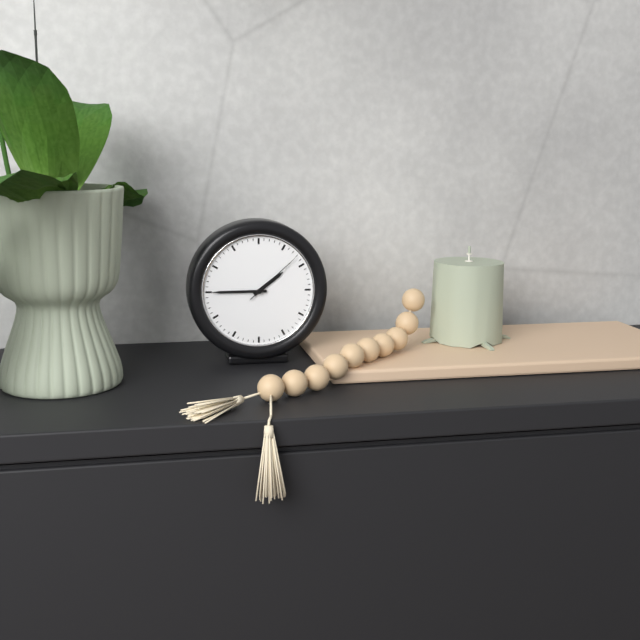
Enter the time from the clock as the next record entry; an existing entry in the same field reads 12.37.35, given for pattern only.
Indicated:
1.45.08
